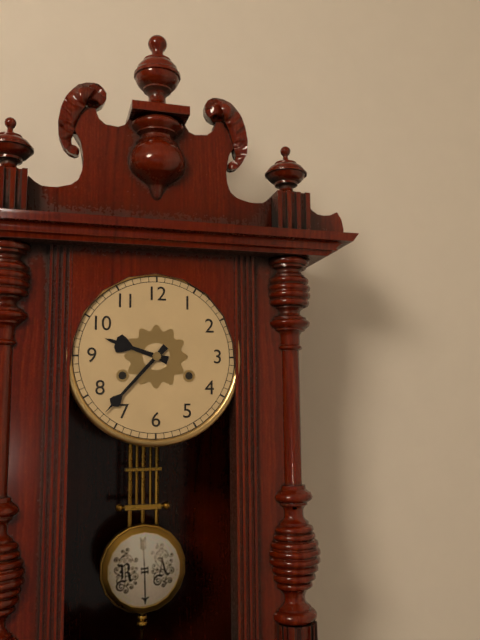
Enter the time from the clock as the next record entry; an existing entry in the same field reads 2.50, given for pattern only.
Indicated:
9.37
